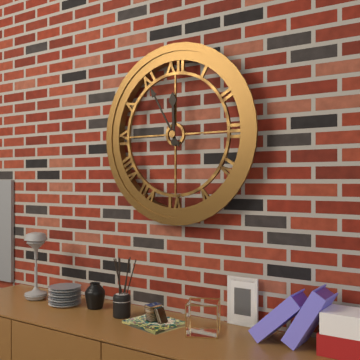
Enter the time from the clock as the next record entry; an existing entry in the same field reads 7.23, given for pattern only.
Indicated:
11.55
